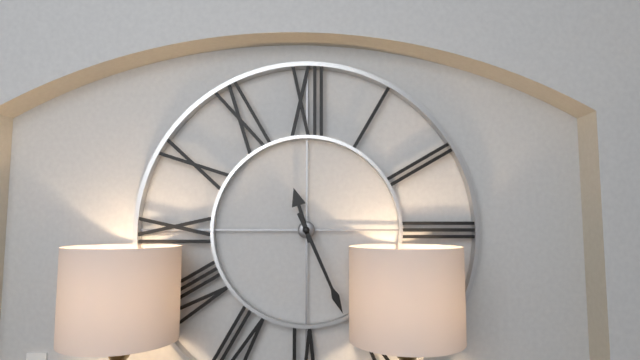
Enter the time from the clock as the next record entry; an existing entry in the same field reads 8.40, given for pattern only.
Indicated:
11.26
